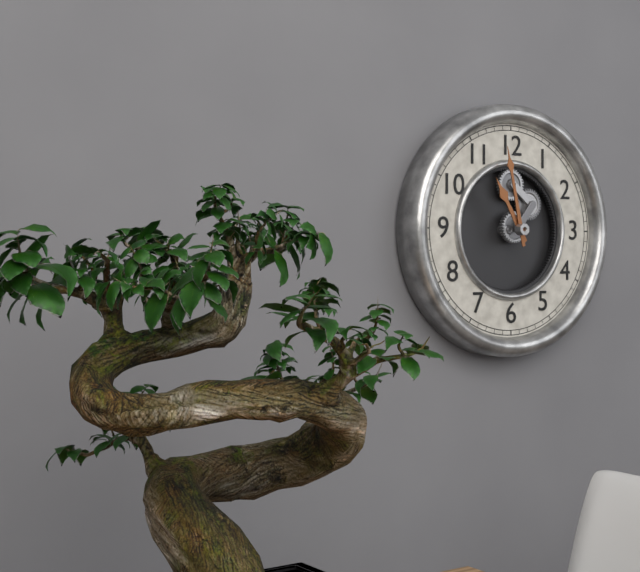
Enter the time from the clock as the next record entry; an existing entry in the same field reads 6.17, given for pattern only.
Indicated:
10.58
